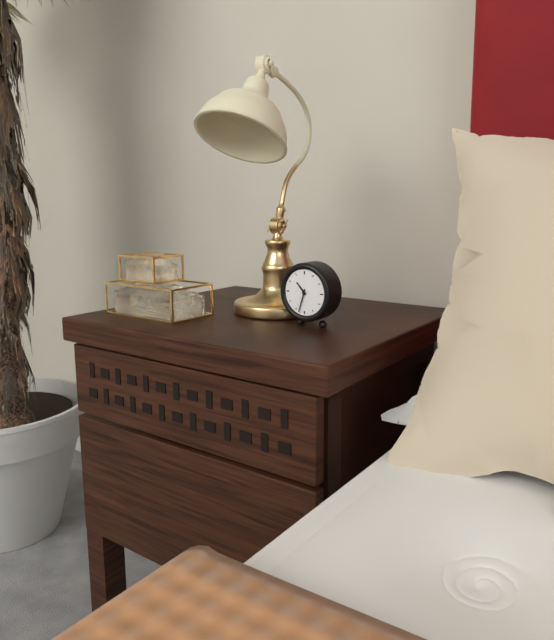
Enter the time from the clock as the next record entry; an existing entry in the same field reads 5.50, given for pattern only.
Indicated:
10.33
